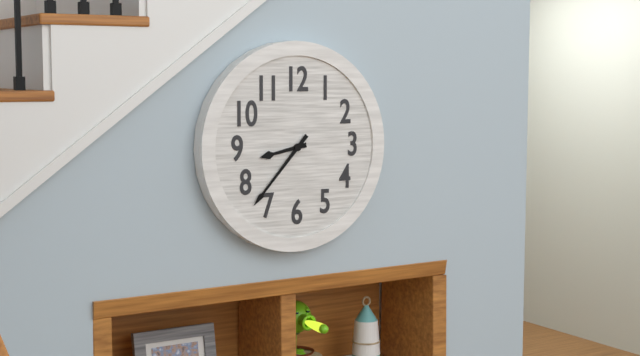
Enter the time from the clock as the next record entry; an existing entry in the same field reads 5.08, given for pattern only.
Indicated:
8.37
